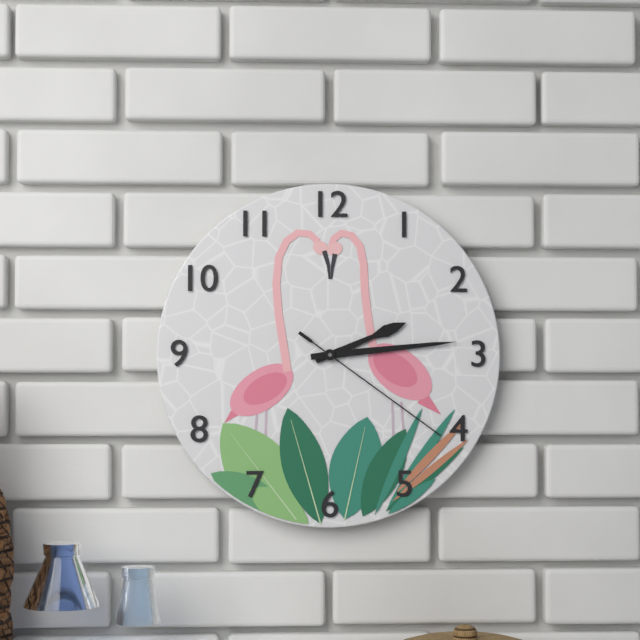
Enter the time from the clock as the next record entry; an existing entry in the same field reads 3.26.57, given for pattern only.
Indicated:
2.14.21
